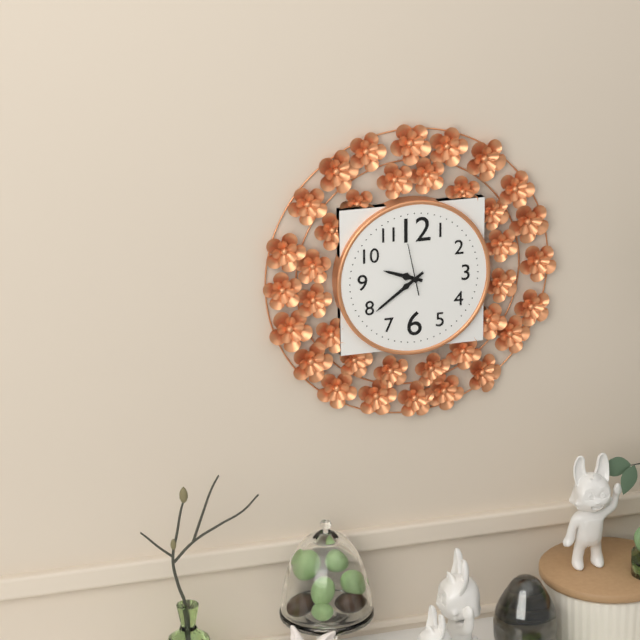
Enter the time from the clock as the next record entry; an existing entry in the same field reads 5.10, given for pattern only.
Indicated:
9.39
